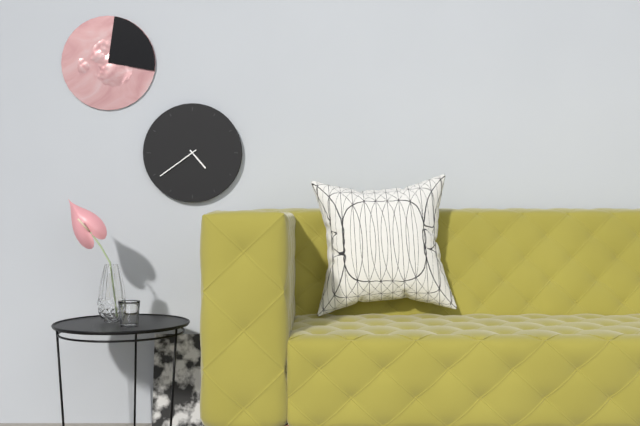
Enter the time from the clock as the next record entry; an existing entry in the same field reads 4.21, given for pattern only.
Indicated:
4.39
